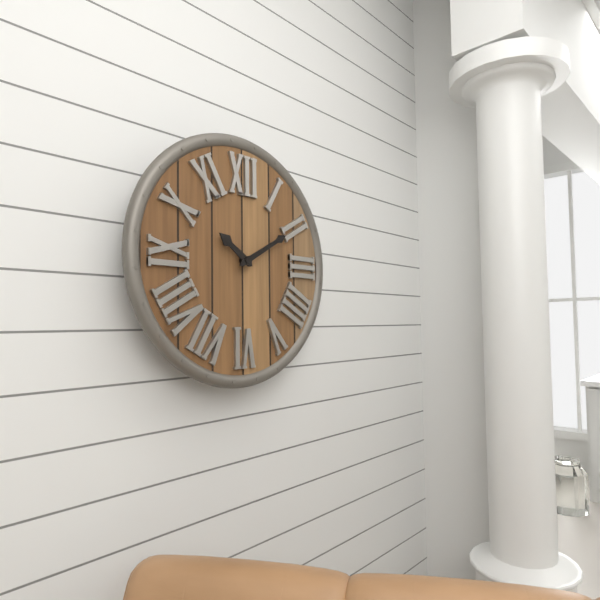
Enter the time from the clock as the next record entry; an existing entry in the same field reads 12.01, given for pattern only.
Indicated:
10.10
